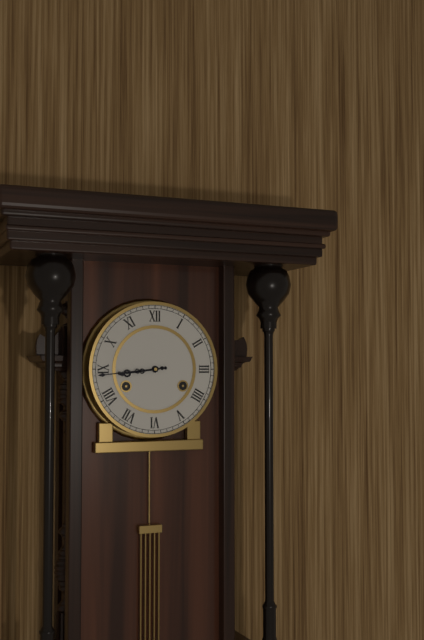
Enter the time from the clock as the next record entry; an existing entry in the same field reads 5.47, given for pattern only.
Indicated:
8.44
